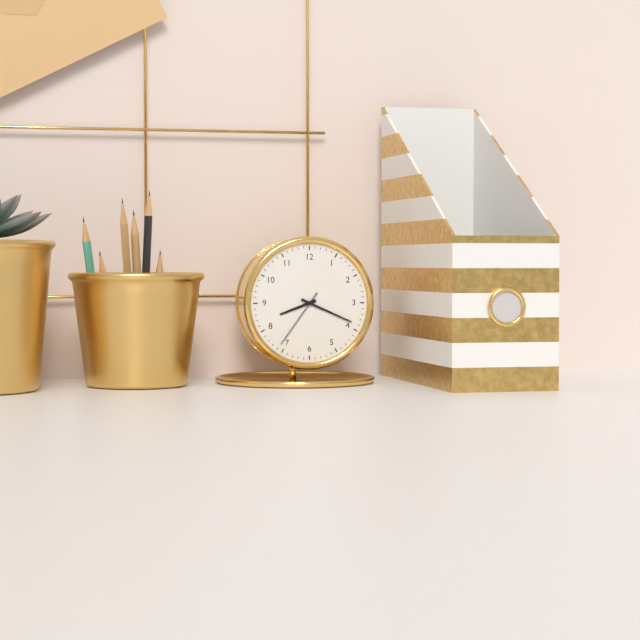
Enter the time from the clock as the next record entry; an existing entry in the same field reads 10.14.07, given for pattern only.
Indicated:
8.19.36
